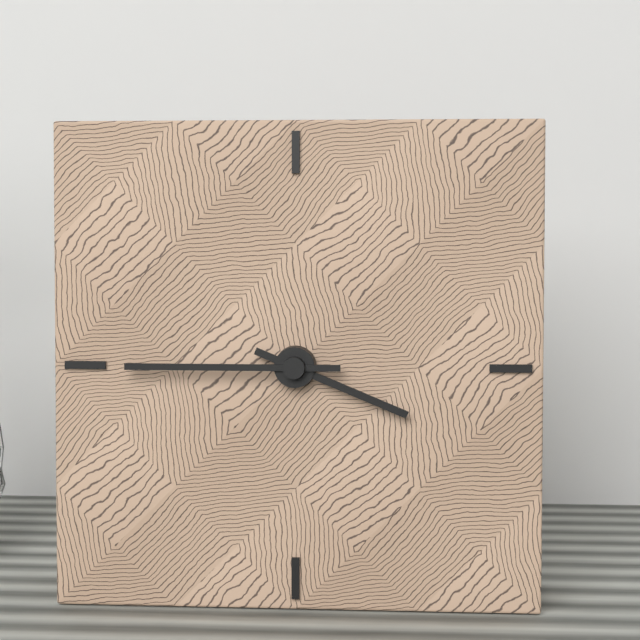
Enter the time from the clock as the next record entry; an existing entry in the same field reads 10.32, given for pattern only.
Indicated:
3.45
